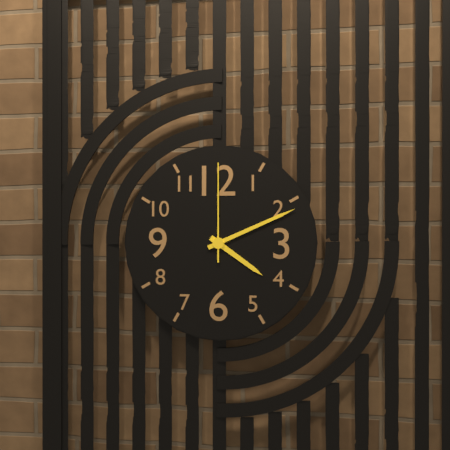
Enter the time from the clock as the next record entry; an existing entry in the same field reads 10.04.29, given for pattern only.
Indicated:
4.11.00
